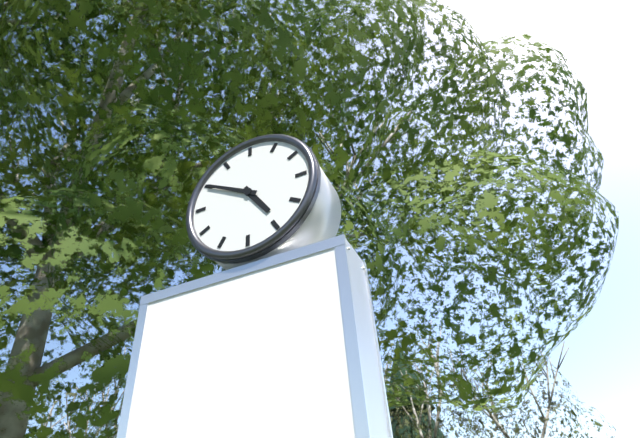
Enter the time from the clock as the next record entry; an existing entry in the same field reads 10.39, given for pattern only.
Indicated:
4.50
